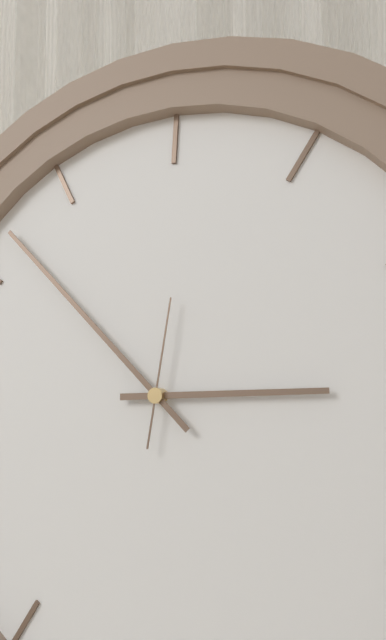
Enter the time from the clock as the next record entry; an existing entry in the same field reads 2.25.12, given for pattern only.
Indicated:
2.52.01
